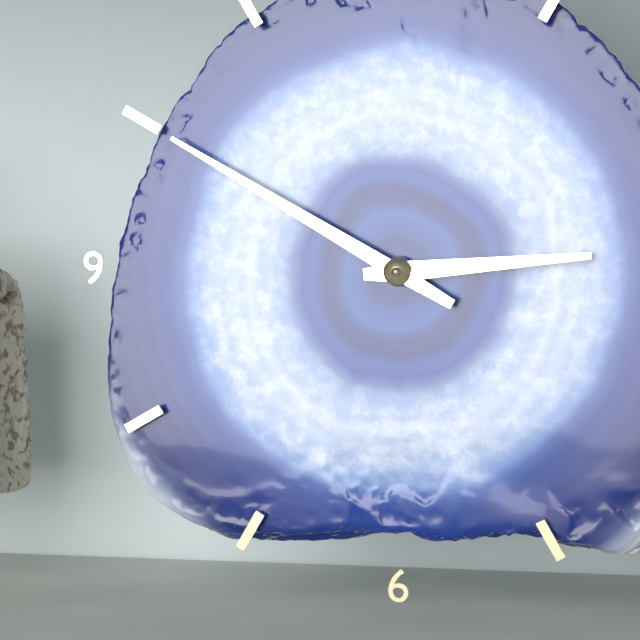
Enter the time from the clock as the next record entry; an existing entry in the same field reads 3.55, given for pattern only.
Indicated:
2.50
